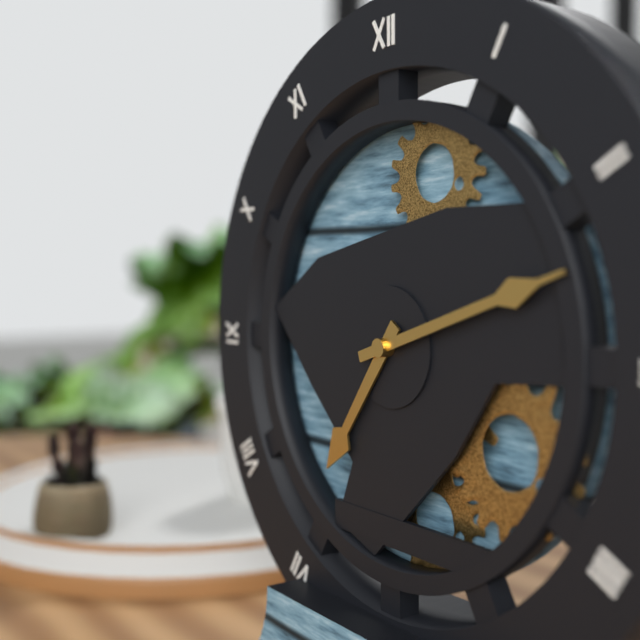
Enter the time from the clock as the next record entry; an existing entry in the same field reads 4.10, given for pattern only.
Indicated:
7.12
